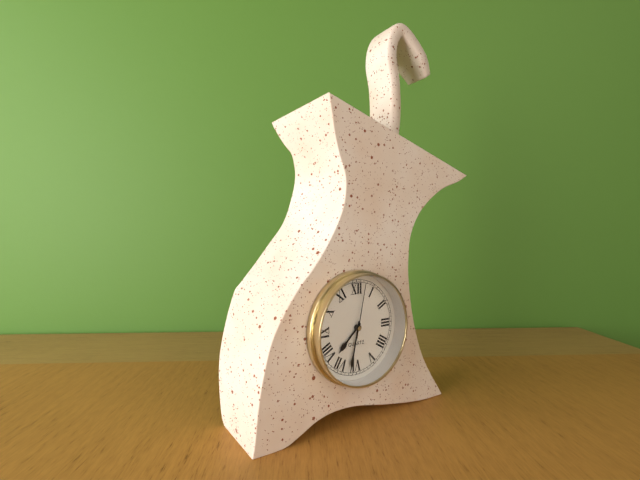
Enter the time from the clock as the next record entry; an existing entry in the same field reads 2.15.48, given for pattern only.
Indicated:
7.32.02
